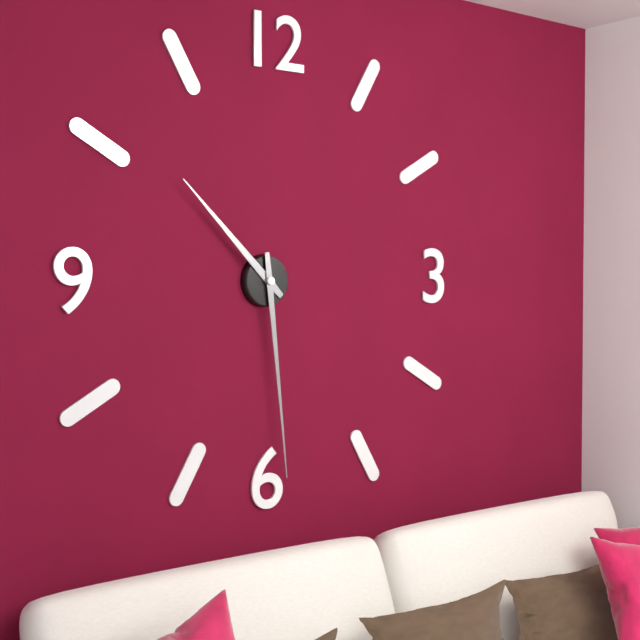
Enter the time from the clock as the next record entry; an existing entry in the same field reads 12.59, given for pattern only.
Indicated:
10.29
